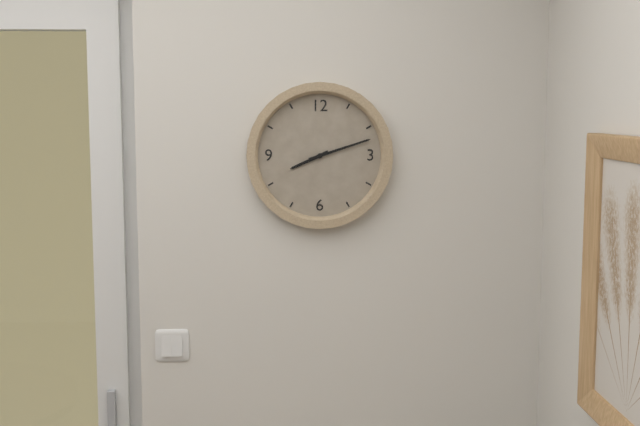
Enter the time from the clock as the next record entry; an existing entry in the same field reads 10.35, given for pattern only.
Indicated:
8.12
